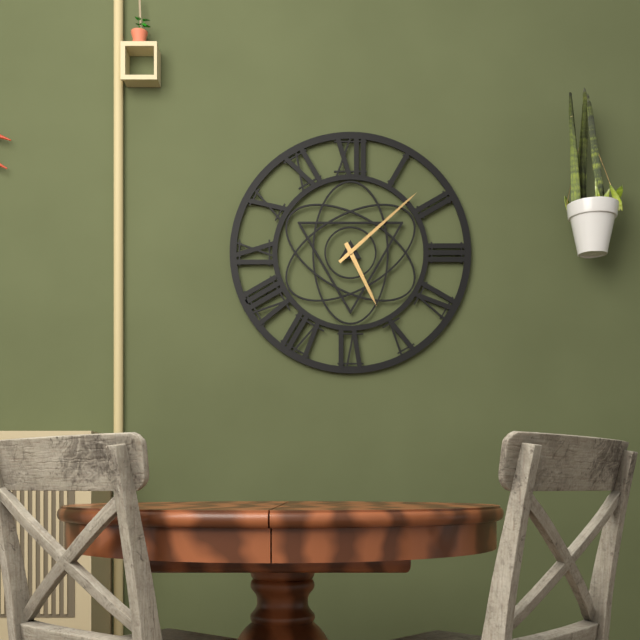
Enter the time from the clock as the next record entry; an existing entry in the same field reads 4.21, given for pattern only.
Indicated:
5.08
